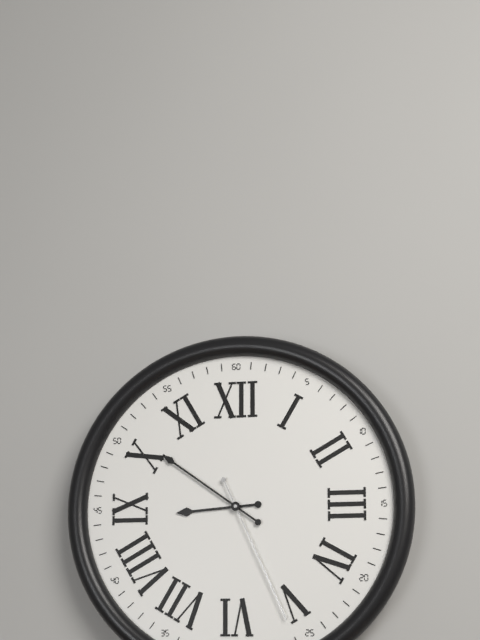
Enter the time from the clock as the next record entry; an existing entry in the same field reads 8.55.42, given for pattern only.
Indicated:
8.51.26
